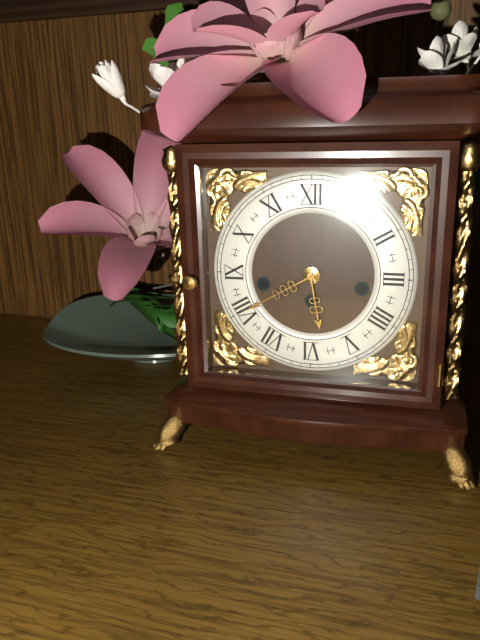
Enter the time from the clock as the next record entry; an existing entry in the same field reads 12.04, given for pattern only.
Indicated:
5.40
